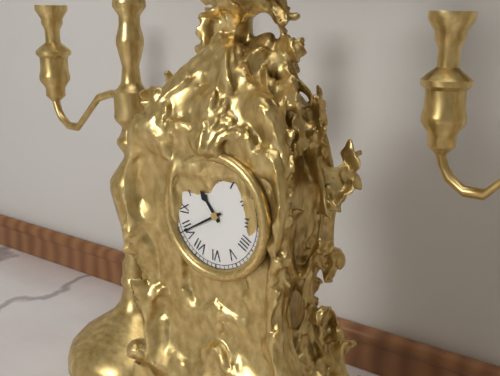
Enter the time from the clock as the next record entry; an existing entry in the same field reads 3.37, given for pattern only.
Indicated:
10.40
